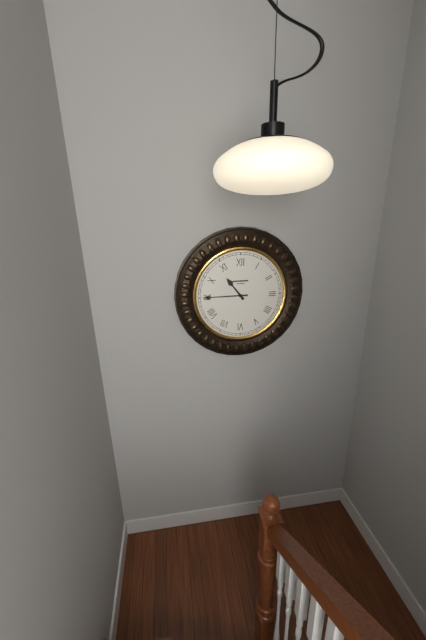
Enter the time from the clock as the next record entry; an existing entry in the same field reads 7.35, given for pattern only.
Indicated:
10.45
